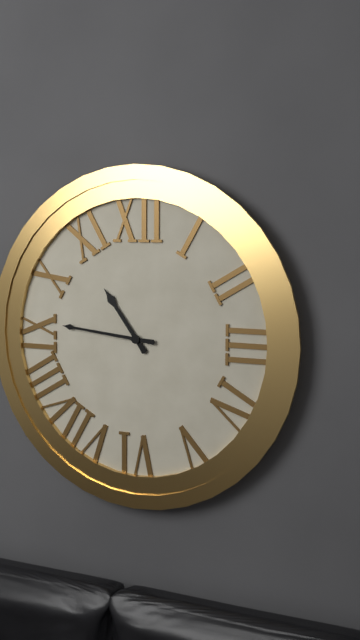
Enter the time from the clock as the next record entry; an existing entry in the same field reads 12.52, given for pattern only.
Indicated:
10.46
